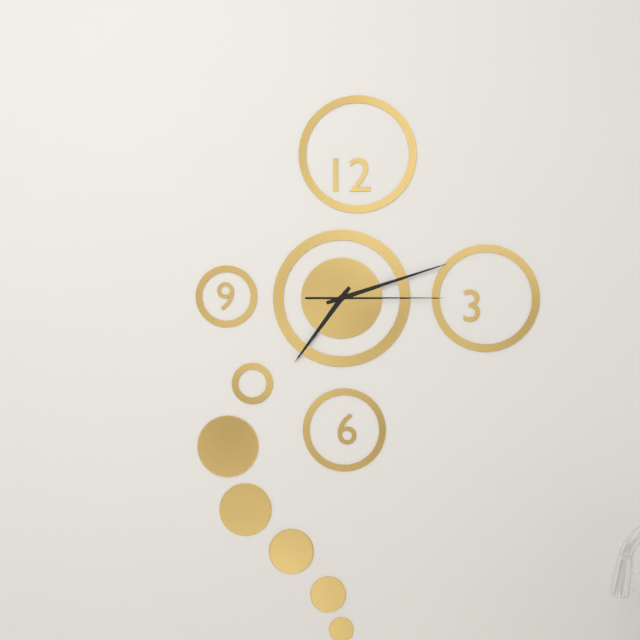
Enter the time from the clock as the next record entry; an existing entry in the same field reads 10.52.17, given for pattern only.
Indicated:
7.12.15
